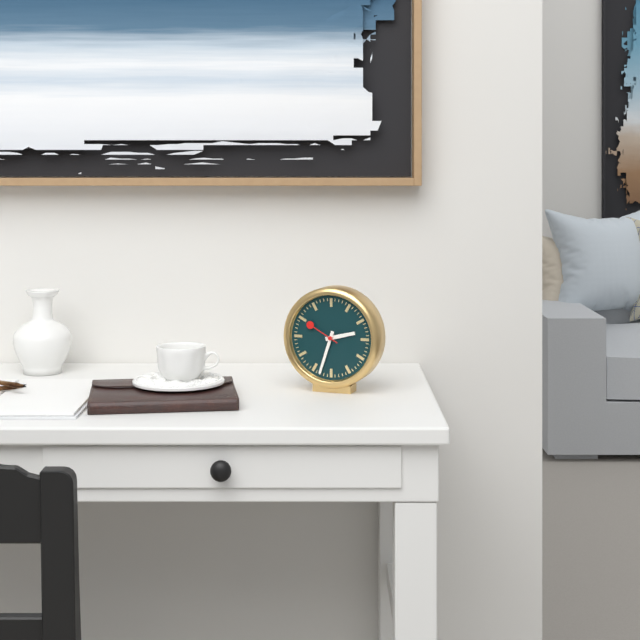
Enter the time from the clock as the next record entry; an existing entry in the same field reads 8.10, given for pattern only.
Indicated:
2.33
